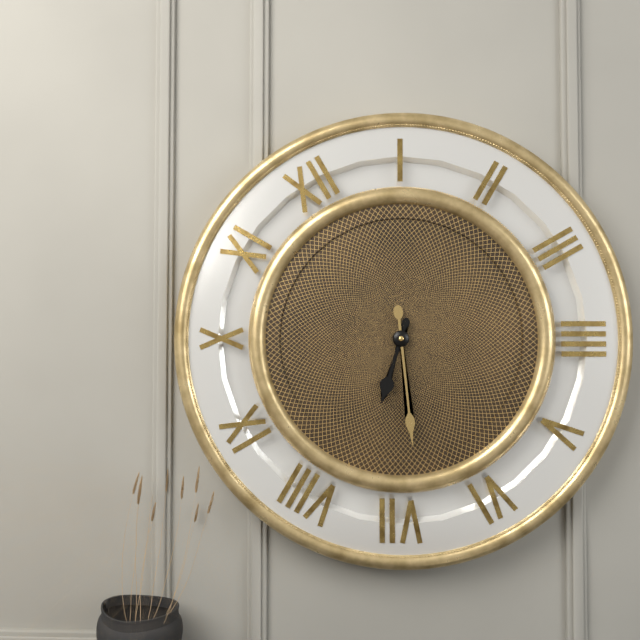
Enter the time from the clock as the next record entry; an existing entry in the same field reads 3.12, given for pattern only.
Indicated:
7.34
